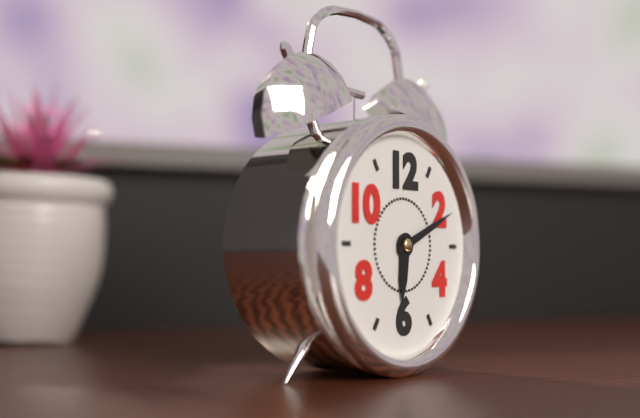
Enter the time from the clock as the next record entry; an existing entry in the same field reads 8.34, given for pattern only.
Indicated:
6.11
